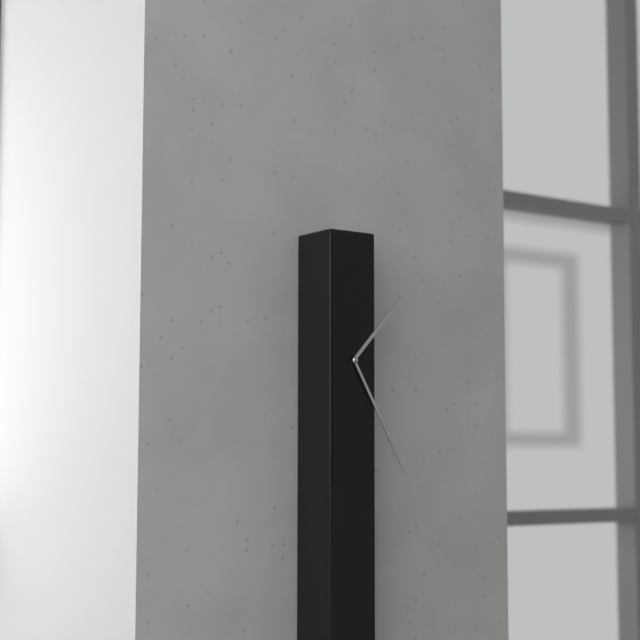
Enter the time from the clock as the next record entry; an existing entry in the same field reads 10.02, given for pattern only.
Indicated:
1.25
